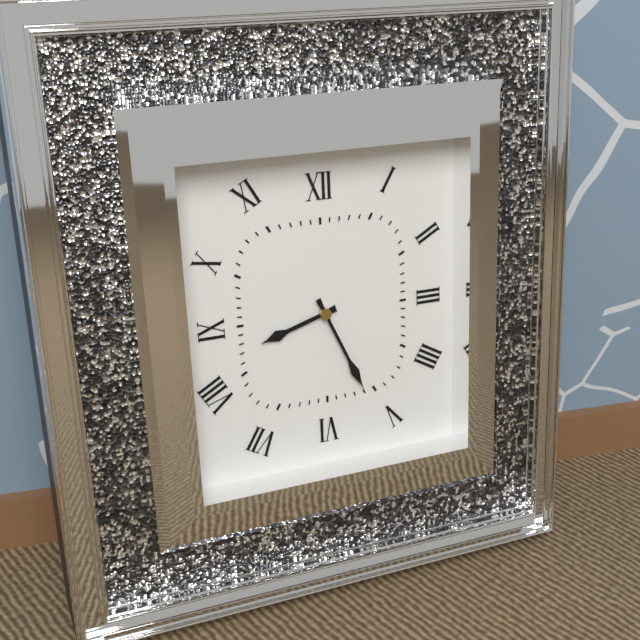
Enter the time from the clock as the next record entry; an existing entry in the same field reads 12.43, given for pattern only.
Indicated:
8.26
